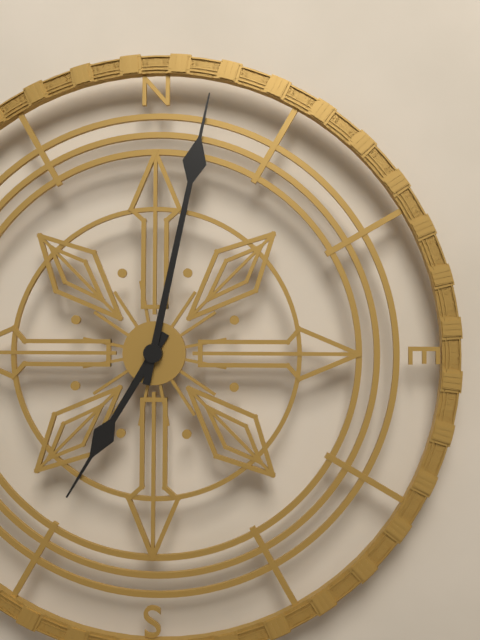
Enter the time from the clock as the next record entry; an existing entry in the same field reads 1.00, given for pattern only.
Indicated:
7.02
